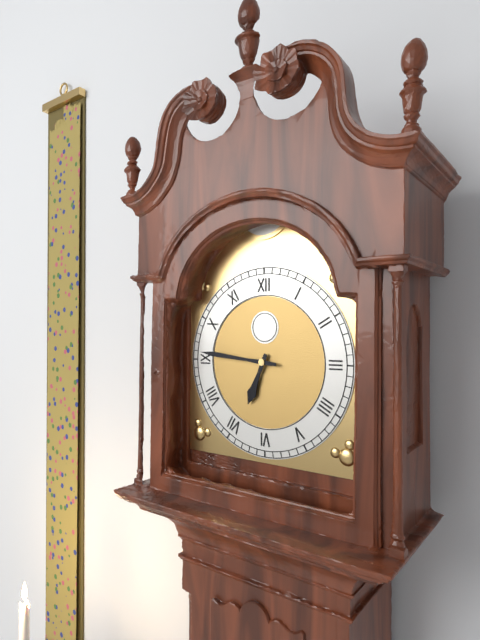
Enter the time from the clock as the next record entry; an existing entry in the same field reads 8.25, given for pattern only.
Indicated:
6.46
